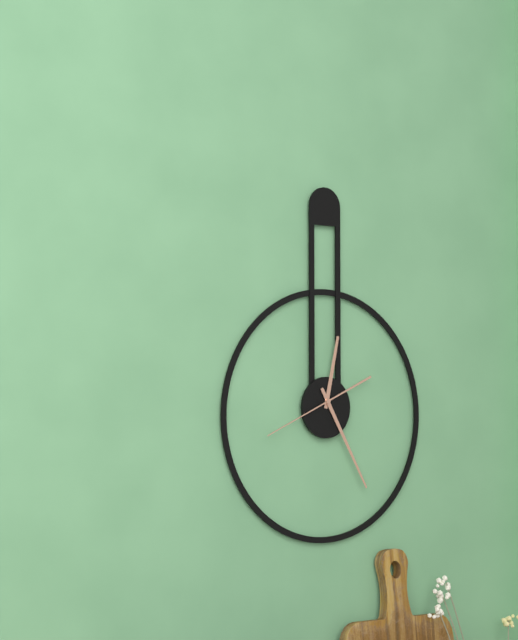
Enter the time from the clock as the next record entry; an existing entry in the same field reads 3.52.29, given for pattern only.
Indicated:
12.25.41
